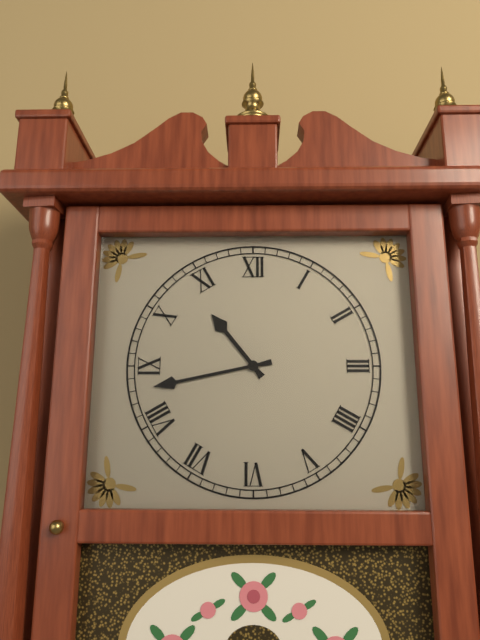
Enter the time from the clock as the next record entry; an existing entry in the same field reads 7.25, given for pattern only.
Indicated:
10.43
